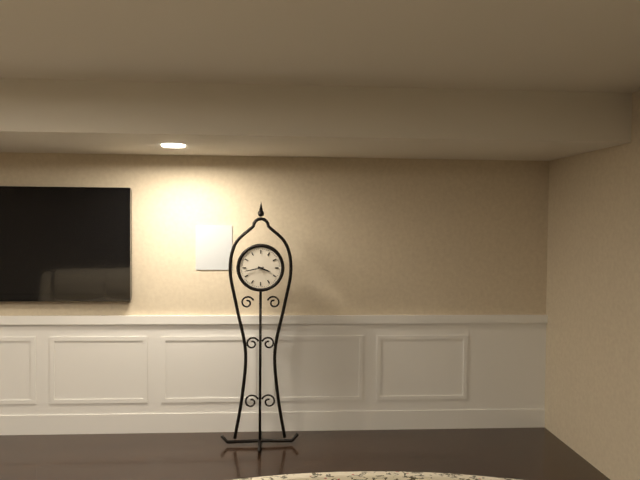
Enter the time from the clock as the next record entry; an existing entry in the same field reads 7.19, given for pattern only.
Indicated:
3.43
